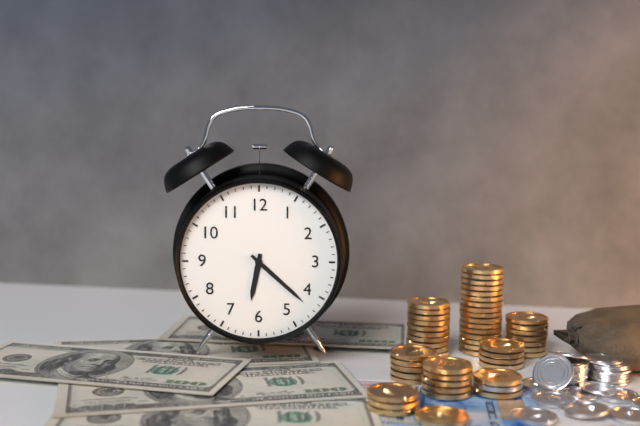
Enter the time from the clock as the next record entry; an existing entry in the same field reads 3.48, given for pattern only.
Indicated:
6.22
